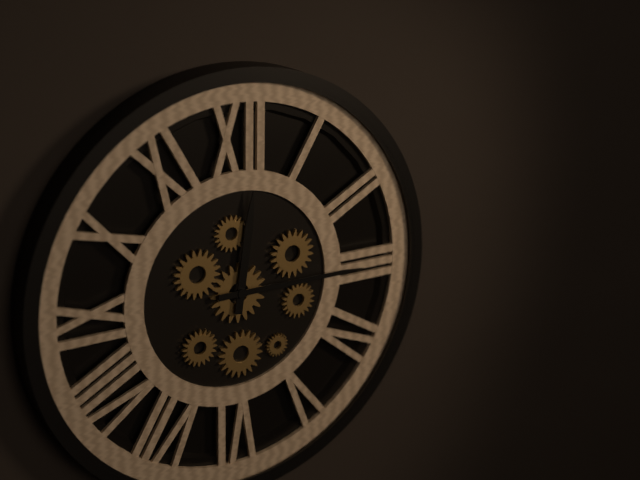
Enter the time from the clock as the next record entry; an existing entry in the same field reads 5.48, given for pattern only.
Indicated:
12.15
